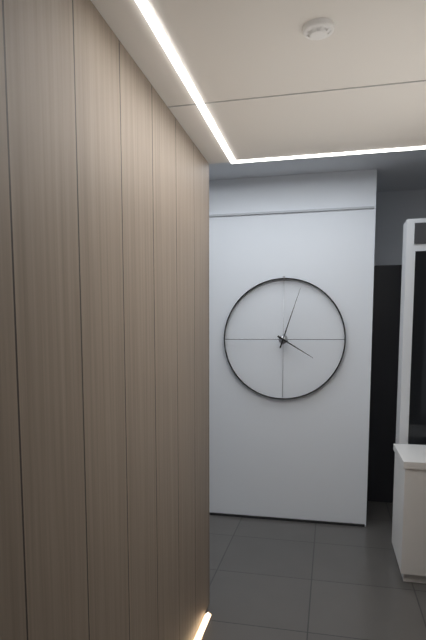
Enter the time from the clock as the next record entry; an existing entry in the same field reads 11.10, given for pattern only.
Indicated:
4.03
